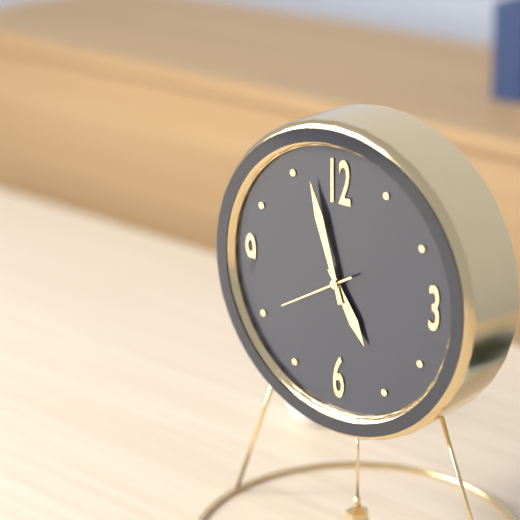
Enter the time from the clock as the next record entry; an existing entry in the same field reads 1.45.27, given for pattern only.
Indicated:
4.57.40
